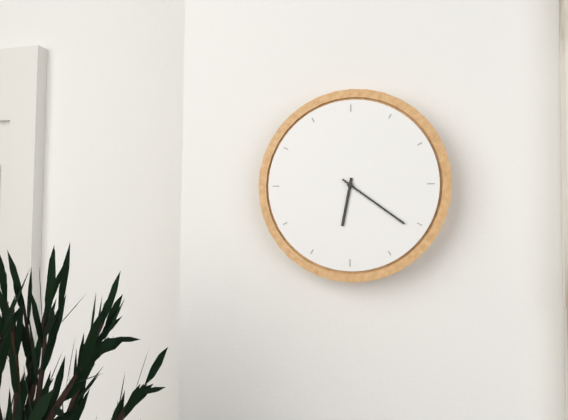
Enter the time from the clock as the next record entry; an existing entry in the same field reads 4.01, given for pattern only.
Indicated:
6.21
